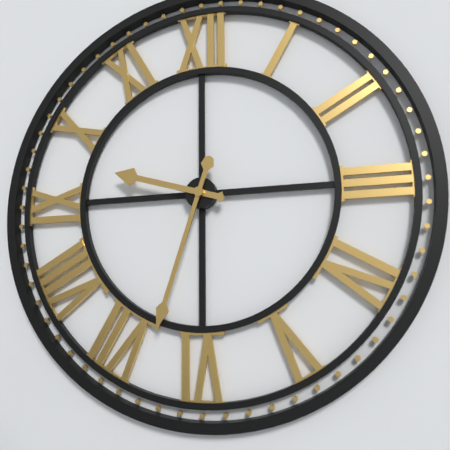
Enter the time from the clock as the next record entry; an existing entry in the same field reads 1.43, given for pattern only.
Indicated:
9.33
